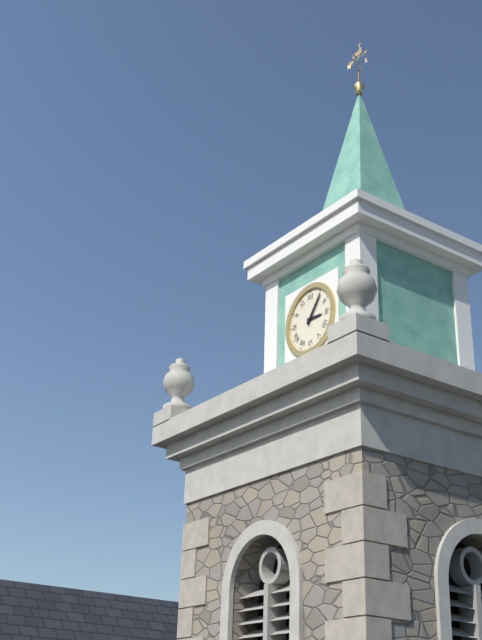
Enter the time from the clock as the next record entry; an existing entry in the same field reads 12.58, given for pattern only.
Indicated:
3.06
